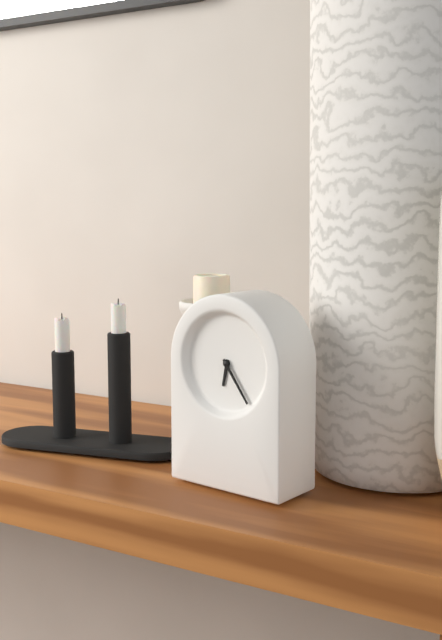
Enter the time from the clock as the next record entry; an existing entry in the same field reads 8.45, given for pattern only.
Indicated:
6.24
